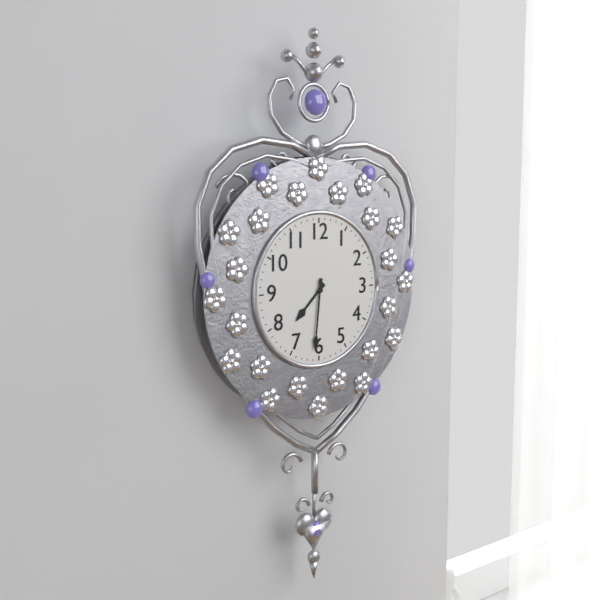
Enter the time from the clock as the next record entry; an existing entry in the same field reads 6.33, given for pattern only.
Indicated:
7.31
